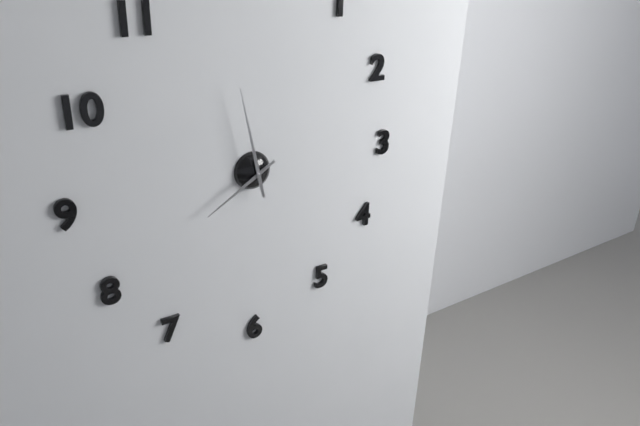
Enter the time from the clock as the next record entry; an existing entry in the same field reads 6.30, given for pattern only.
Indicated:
7.58
